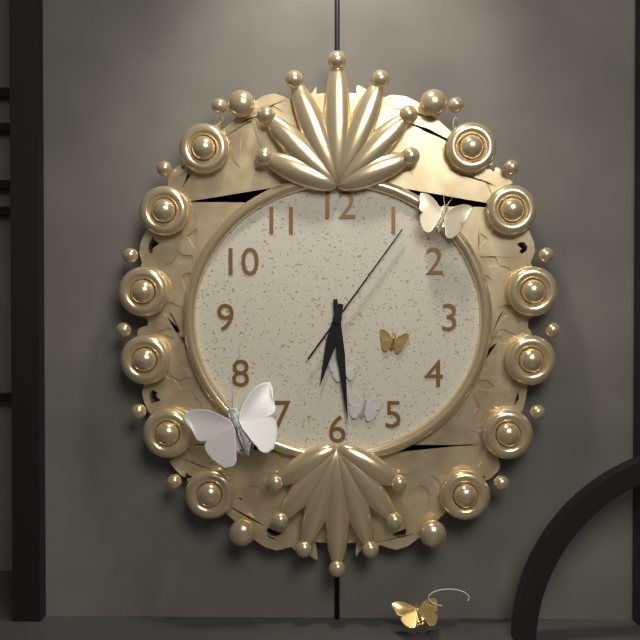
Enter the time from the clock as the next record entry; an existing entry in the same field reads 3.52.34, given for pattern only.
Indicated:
6.29.06
